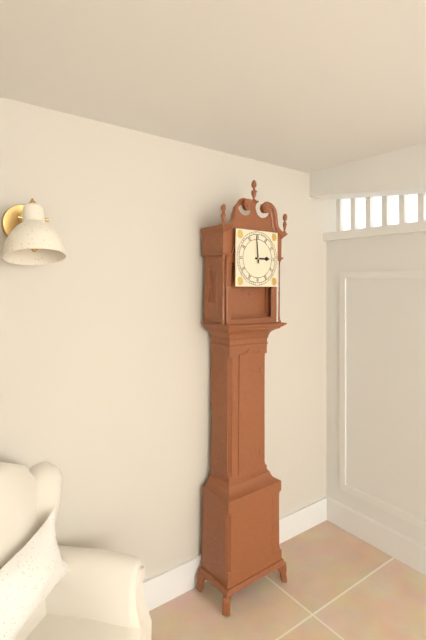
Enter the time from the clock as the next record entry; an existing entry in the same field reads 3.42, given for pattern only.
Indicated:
2.59
